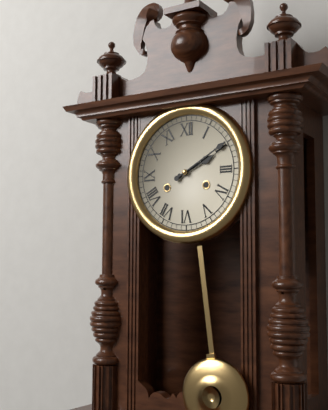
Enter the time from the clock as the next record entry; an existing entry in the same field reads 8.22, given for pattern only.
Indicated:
2.10
